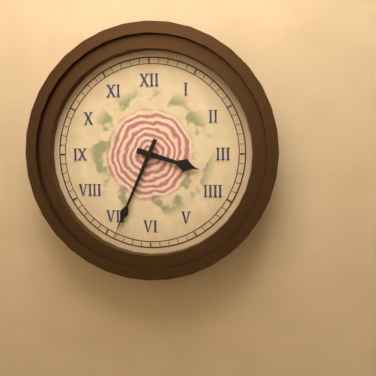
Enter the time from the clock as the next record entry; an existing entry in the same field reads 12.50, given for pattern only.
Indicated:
3.34
